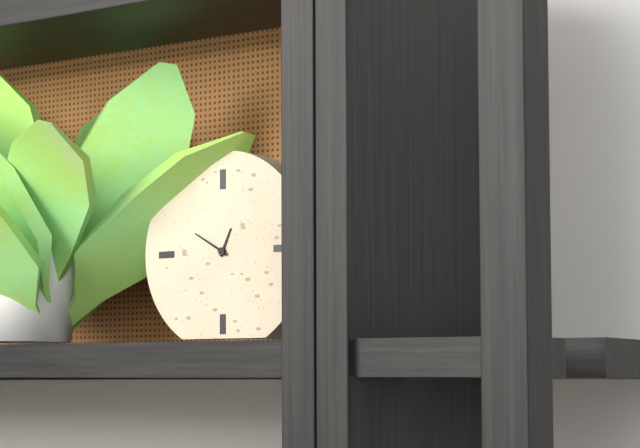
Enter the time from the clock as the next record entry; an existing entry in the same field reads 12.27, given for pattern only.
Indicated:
12.50
